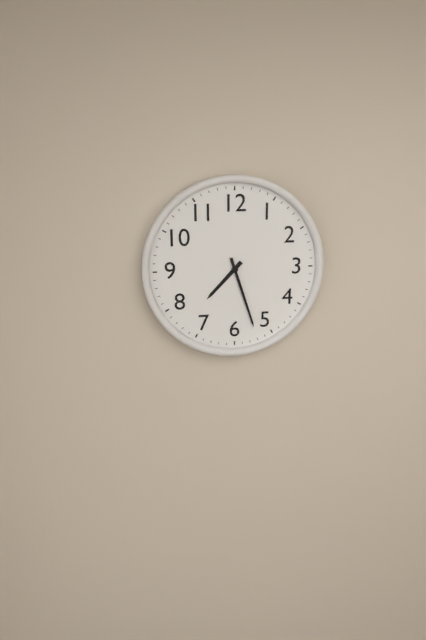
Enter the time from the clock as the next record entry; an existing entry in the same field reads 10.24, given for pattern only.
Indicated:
7.27
